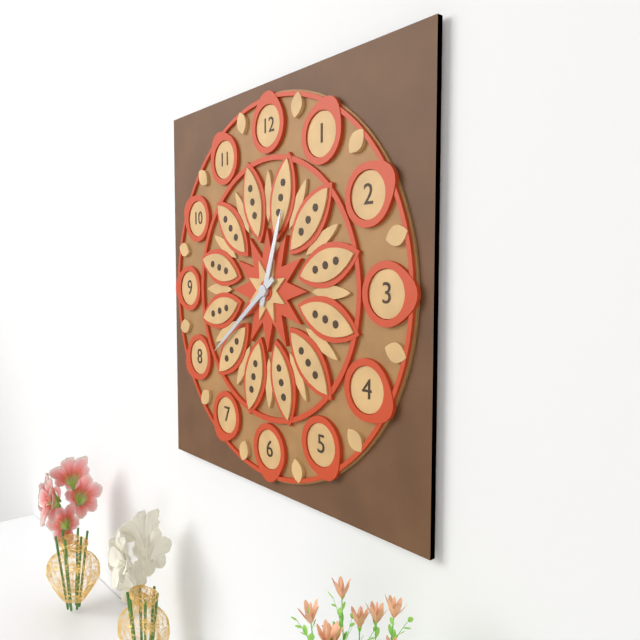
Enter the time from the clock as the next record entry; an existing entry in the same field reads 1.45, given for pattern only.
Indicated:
12.39
